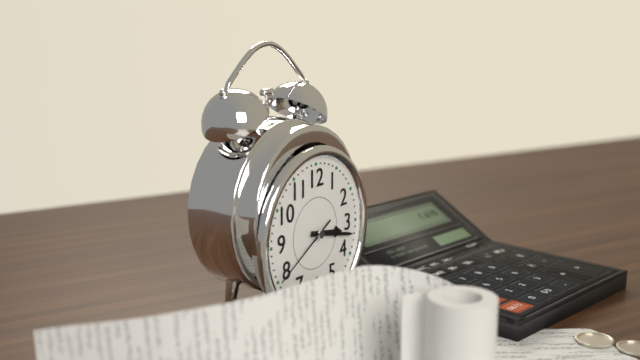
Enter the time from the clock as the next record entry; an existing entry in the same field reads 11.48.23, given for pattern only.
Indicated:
3.17.40
